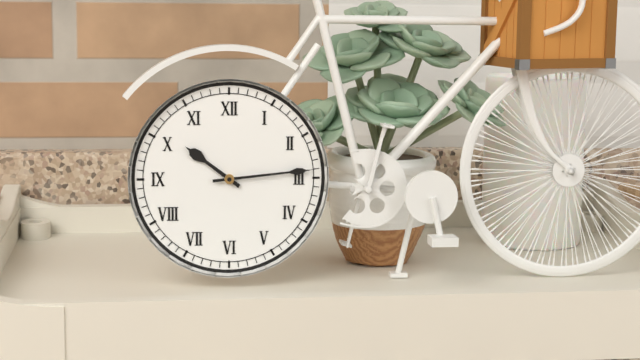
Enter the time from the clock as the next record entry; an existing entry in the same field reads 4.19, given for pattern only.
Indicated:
10.14
